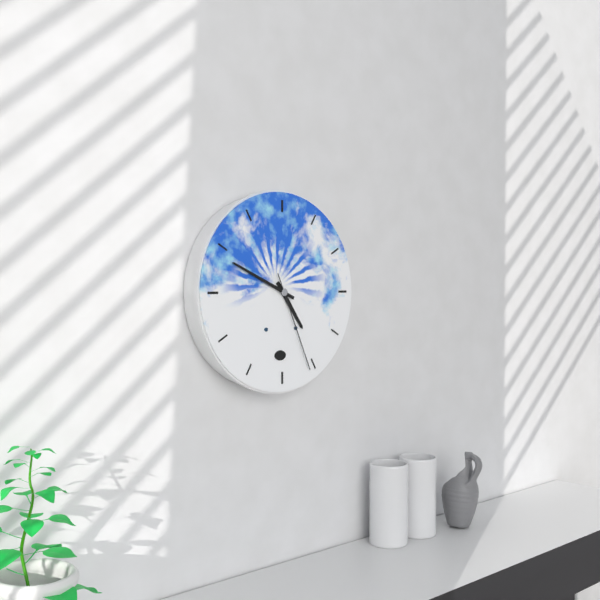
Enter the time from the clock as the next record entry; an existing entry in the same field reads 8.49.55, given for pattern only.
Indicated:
4.49.26
